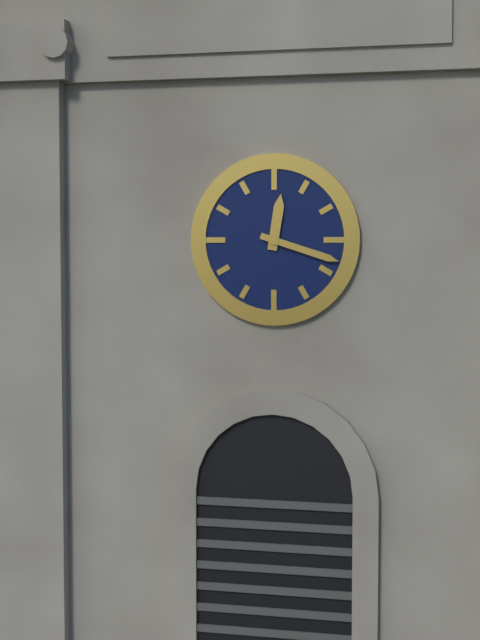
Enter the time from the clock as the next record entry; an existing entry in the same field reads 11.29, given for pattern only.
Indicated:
12.18
